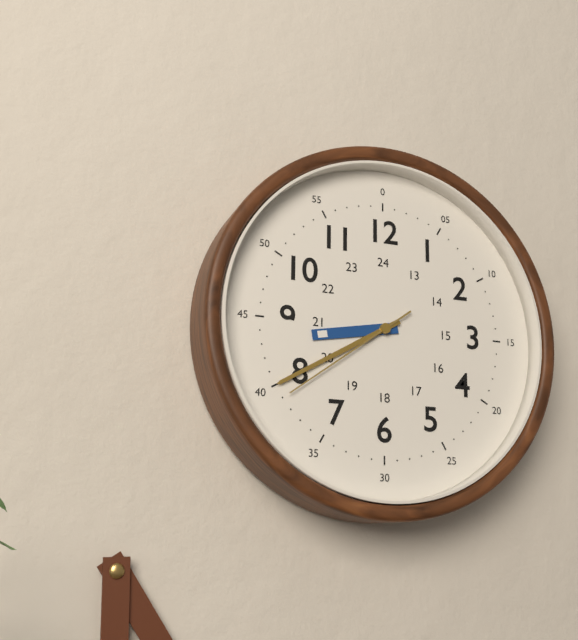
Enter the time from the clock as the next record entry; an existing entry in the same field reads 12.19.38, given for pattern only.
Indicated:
8.40.39
